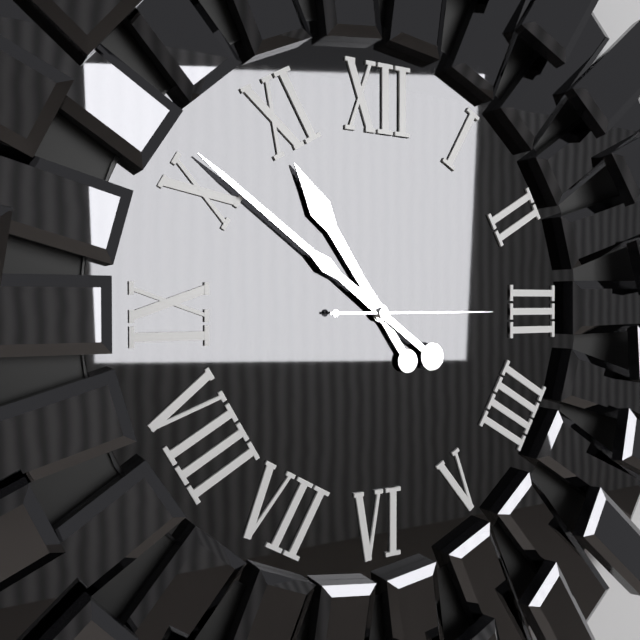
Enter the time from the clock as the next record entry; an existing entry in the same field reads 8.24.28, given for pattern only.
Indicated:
10.51.15
